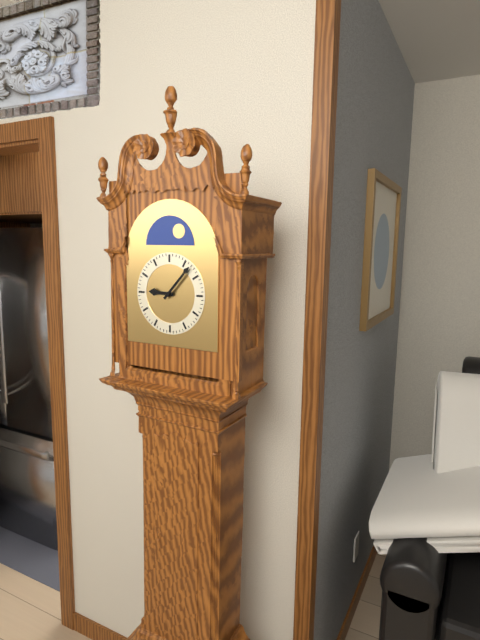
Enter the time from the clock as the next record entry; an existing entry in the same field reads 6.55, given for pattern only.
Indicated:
9.07
